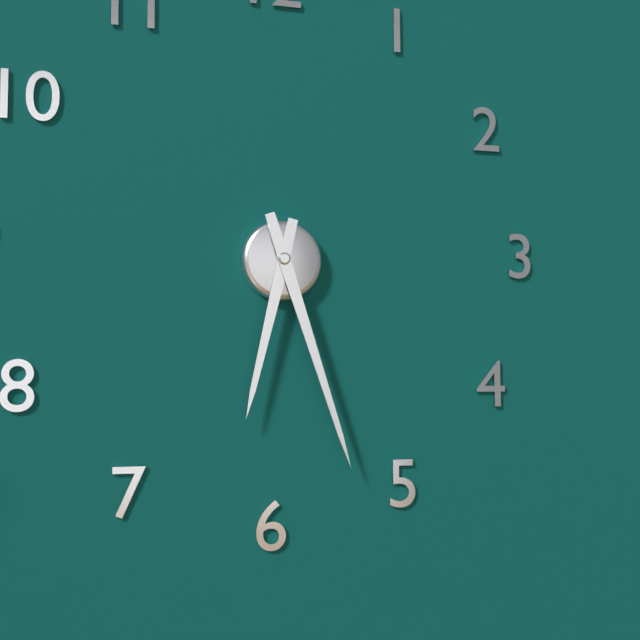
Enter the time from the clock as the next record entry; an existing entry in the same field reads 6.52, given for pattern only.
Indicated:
6.27
